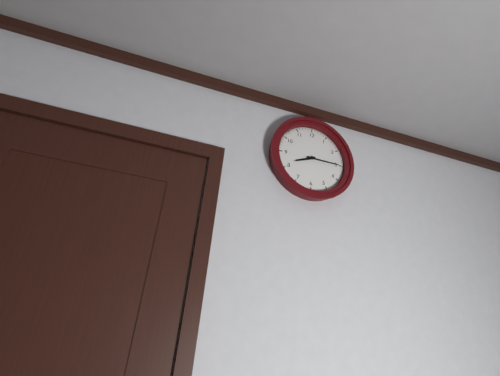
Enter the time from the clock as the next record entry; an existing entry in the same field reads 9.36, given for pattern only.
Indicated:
8.15
